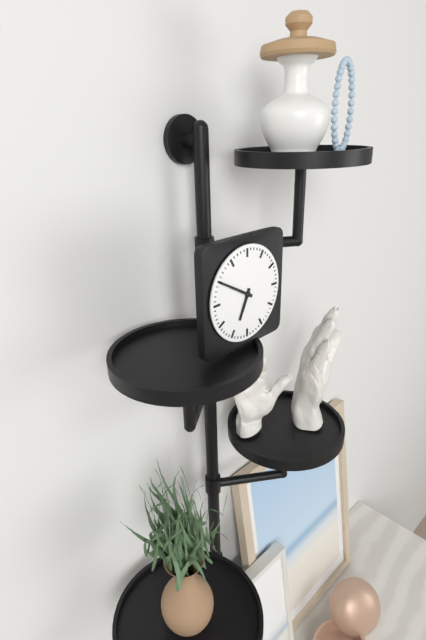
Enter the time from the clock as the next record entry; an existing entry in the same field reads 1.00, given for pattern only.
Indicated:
6.50
